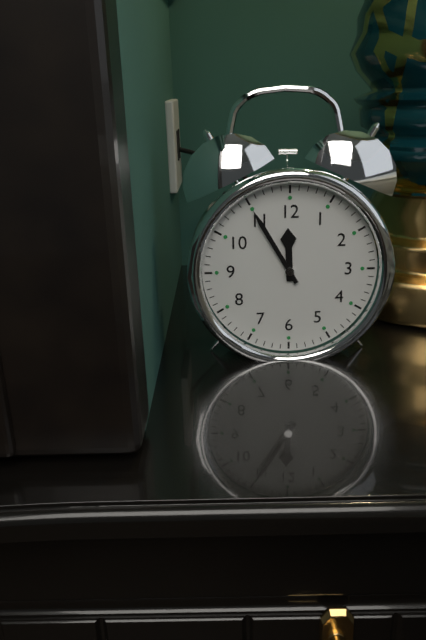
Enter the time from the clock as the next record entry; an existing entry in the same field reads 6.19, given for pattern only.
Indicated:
11.55
